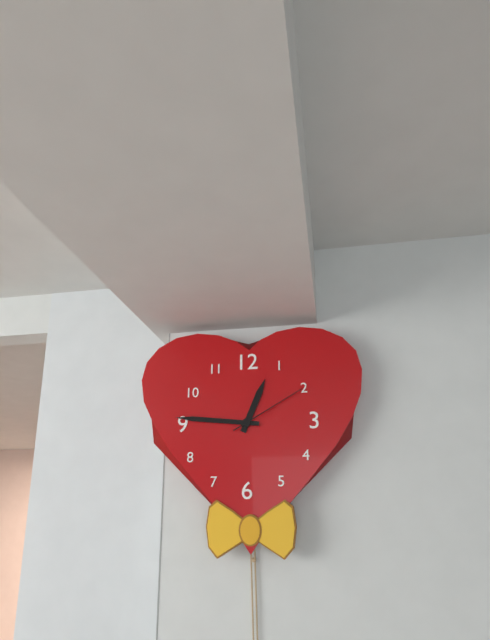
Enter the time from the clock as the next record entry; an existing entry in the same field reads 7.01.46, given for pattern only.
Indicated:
12.46.10
